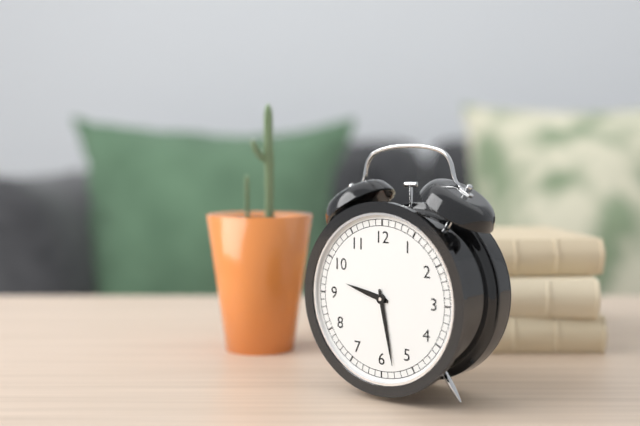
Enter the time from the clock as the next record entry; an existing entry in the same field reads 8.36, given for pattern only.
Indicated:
9.28
